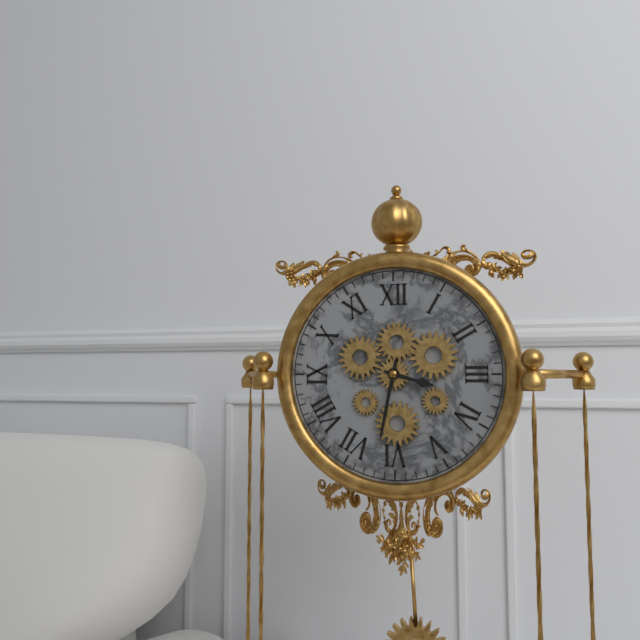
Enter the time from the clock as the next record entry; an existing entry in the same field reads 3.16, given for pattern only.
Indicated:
3.32
